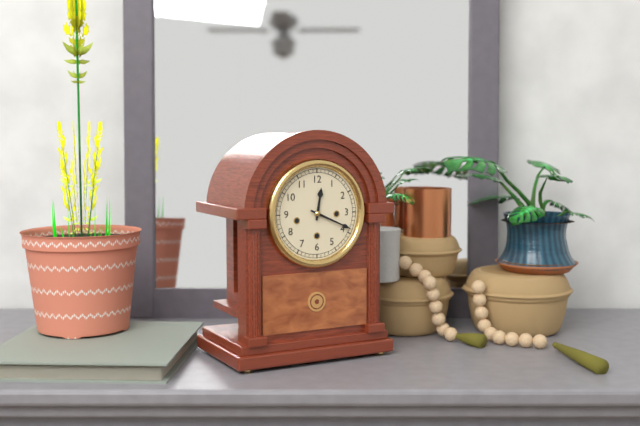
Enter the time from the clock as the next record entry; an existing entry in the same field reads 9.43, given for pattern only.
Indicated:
12.19
